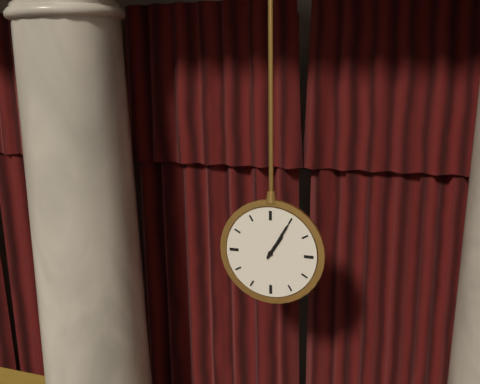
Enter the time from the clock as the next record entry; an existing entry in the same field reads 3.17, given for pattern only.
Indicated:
1.05
